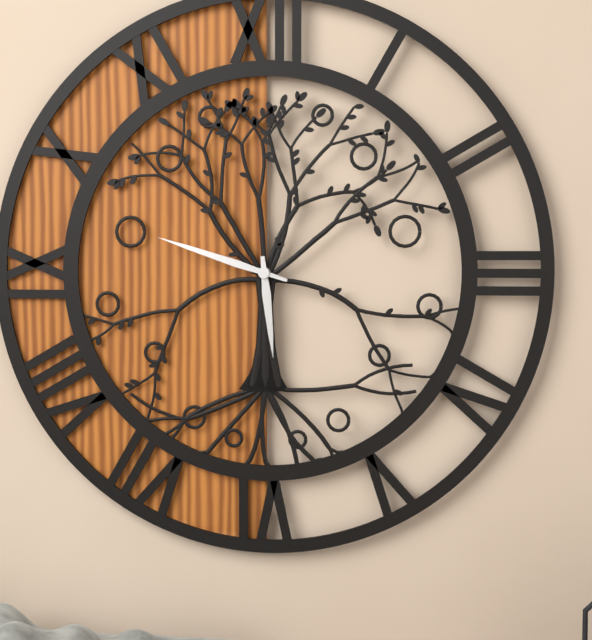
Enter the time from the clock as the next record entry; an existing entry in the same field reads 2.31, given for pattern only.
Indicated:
5.48
